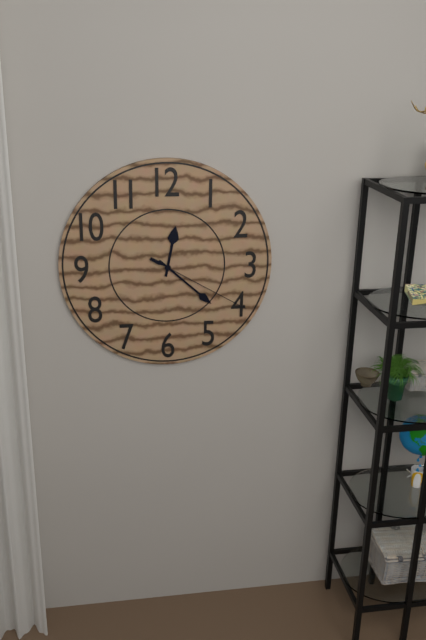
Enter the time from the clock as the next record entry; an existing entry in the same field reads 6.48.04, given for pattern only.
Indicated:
12.22.20
